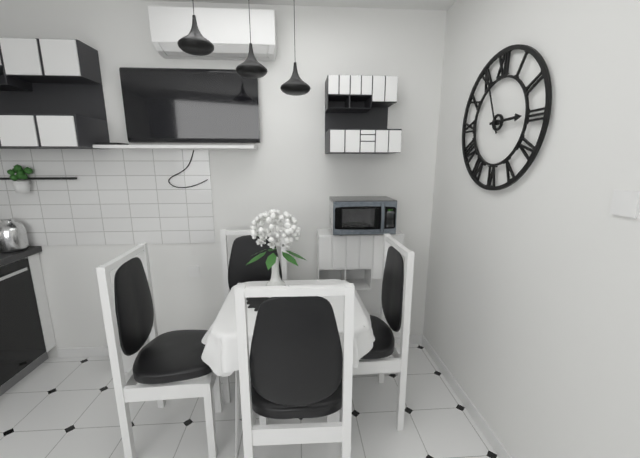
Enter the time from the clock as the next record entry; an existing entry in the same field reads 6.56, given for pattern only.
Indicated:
2.56
